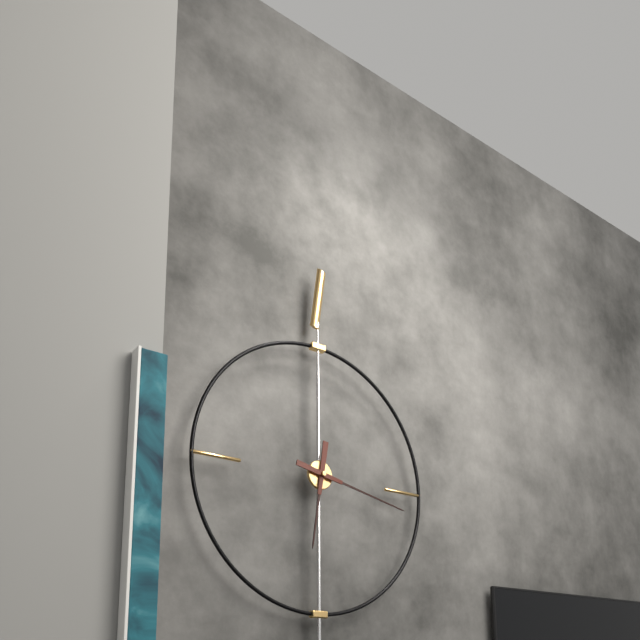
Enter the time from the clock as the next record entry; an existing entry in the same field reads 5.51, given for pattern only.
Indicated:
6.17
